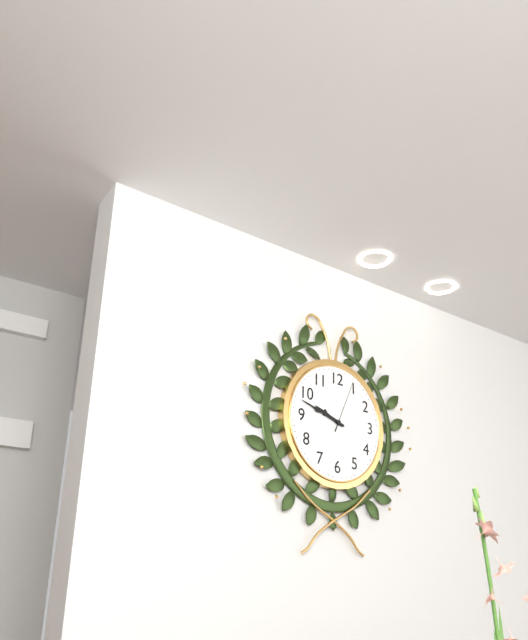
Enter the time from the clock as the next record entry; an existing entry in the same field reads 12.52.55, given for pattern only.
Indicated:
9.48.04
